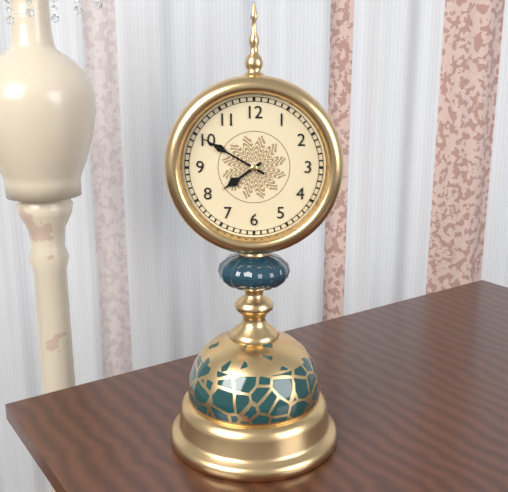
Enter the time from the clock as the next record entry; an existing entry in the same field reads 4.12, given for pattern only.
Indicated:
7.50
